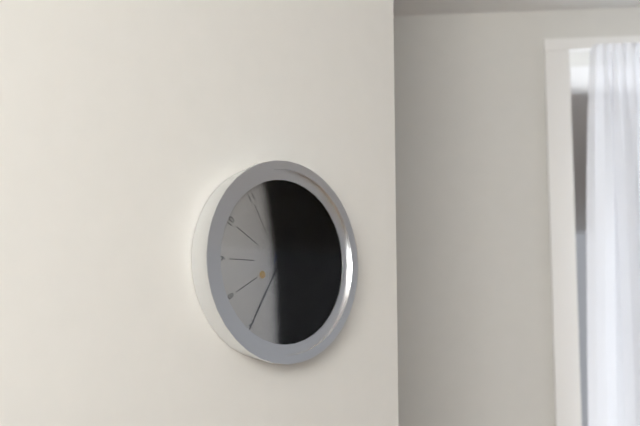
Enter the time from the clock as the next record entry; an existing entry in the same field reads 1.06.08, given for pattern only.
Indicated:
3.35.10
